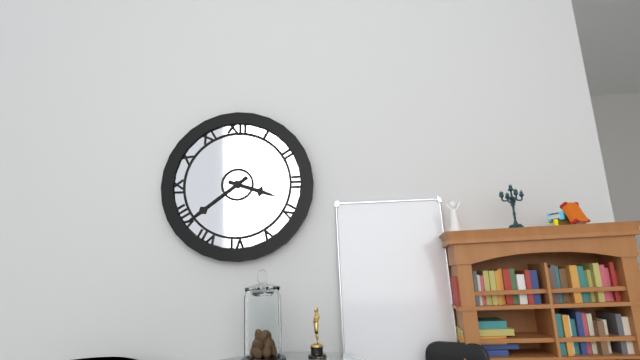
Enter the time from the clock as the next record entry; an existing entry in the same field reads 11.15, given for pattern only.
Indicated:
3.39
